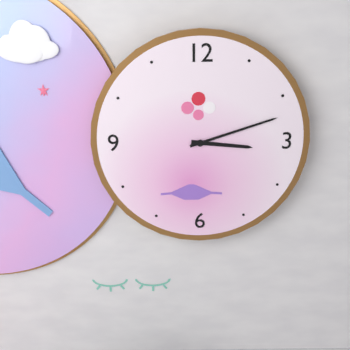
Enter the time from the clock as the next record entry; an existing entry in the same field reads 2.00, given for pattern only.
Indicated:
3.12
